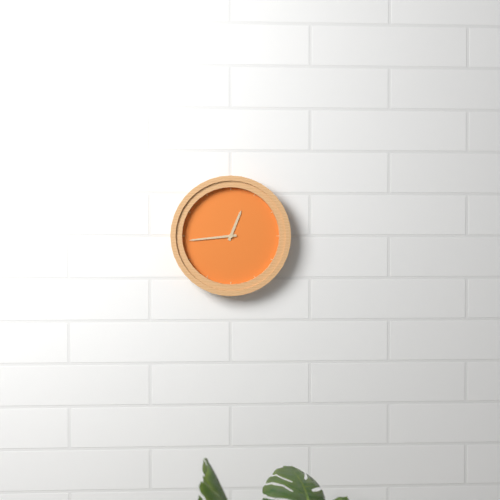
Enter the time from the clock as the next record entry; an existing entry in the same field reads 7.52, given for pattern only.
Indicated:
12.44
